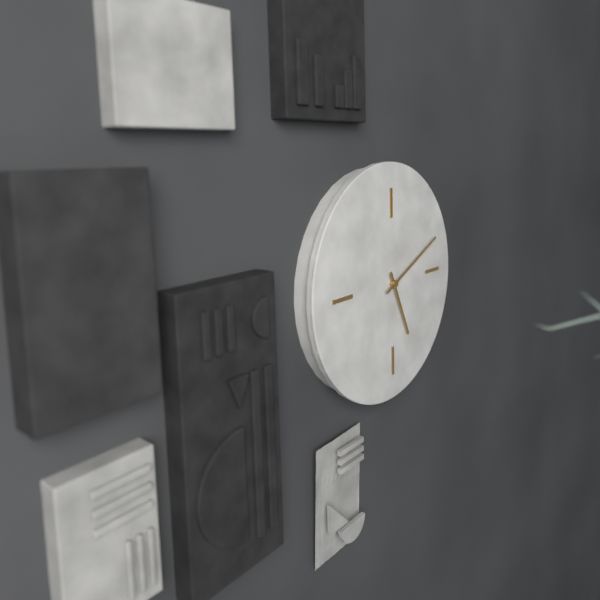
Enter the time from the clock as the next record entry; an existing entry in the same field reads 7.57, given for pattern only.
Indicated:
5.11
